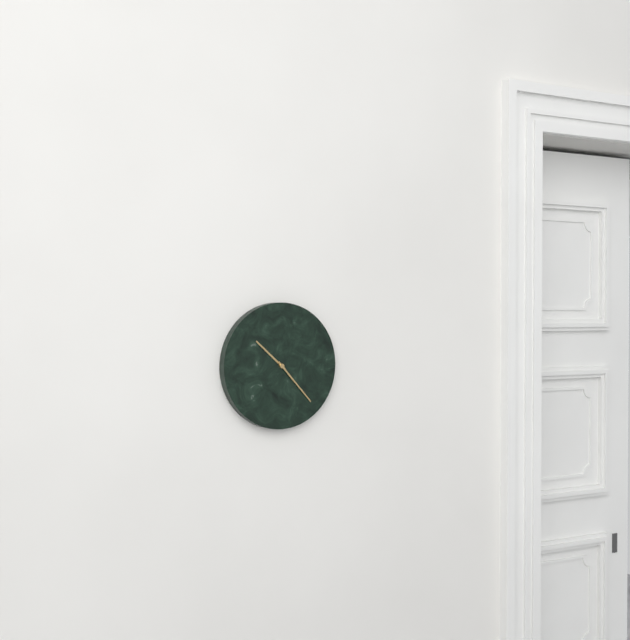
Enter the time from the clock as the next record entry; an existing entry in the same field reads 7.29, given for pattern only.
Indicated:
10.23
